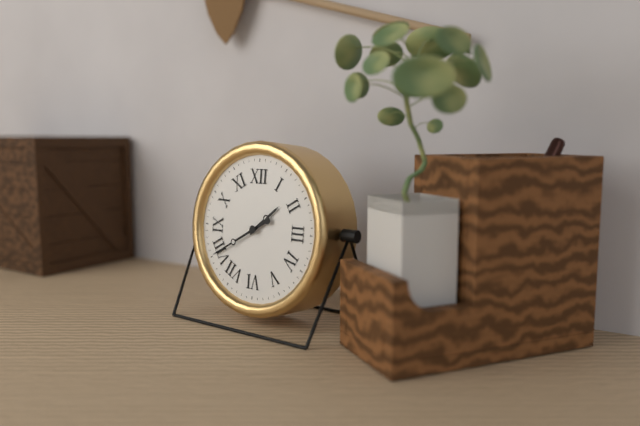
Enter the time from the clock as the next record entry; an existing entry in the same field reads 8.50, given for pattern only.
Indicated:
1.40
